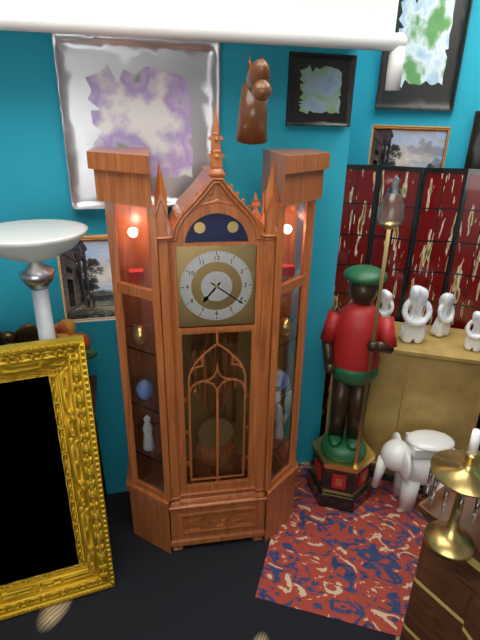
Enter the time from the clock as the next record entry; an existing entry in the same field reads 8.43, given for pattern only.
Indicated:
7.21
